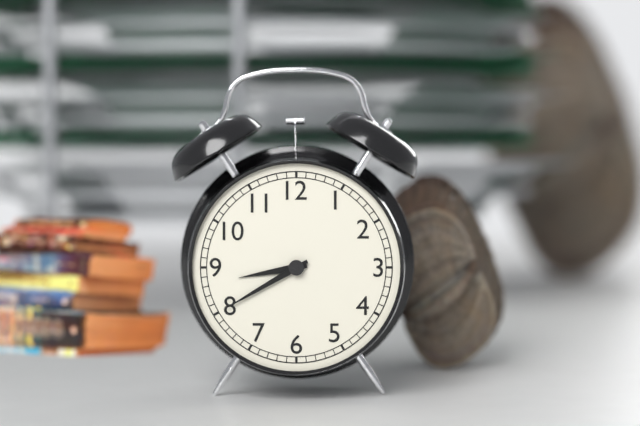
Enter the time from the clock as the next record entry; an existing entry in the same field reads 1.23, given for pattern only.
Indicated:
8.40
